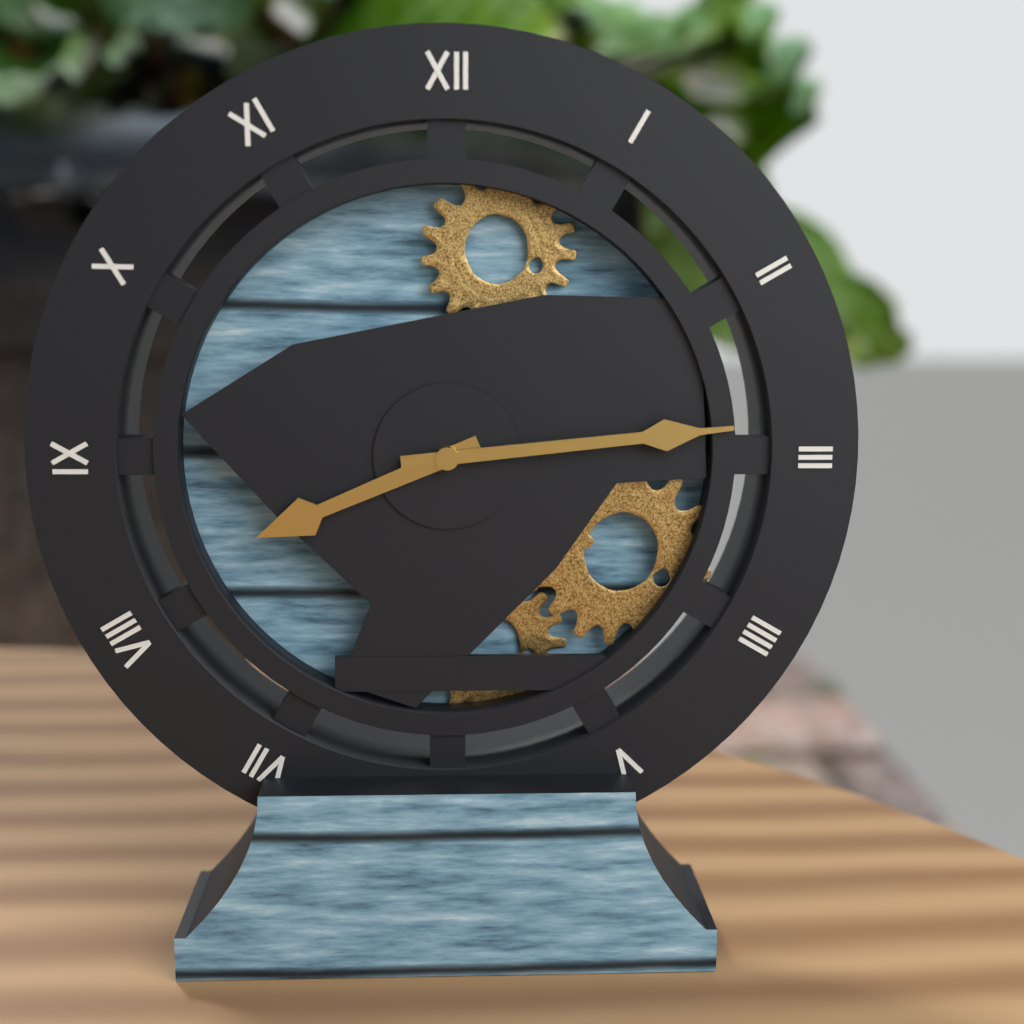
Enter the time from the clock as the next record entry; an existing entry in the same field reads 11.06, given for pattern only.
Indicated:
8.14
